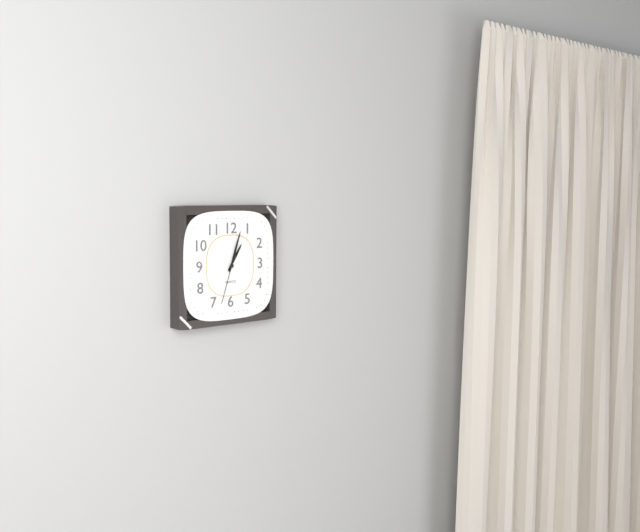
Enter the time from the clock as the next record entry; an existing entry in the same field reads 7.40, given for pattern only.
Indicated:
1.03
